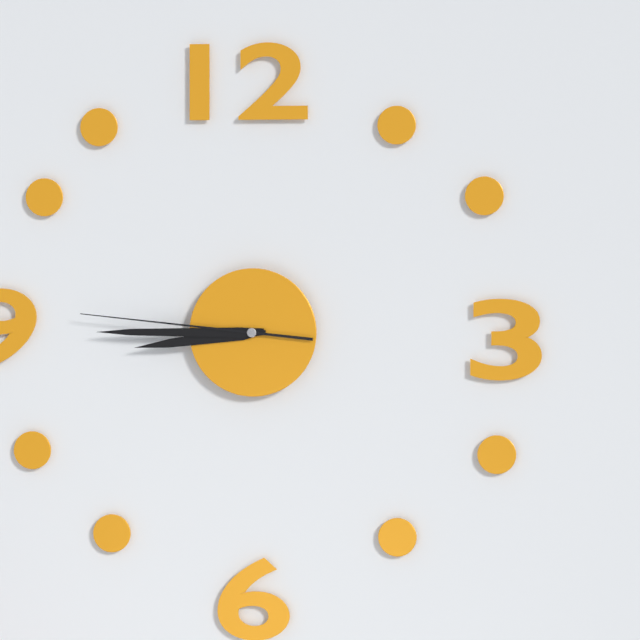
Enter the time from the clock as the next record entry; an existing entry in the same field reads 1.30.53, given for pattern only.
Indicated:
8.45.46
